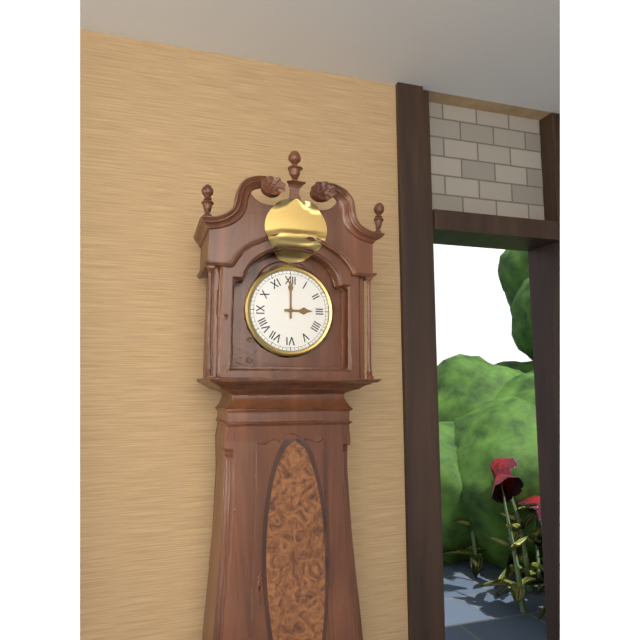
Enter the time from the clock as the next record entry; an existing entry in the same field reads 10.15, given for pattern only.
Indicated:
3.00
